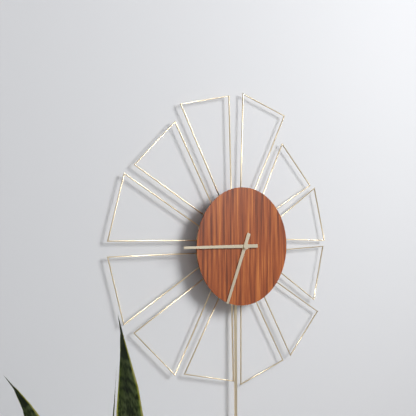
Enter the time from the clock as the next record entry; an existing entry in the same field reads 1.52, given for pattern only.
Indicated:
6.45
